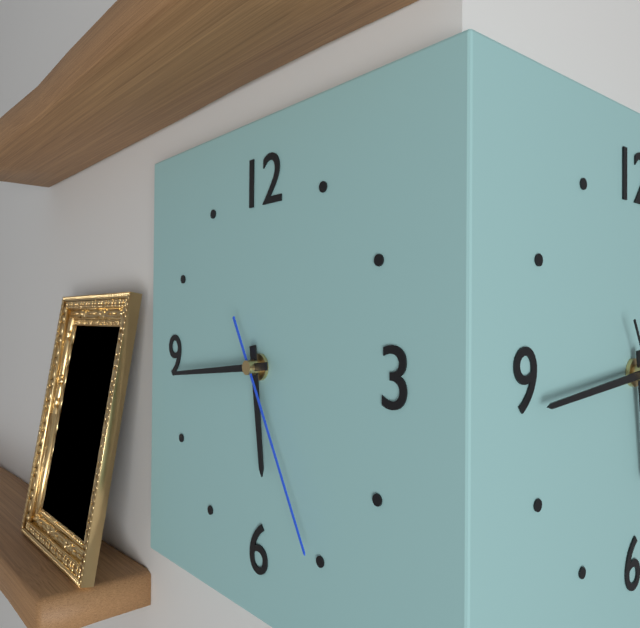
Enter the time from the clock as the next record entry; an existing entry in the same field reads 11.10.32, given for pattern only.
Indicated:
5.44.25
